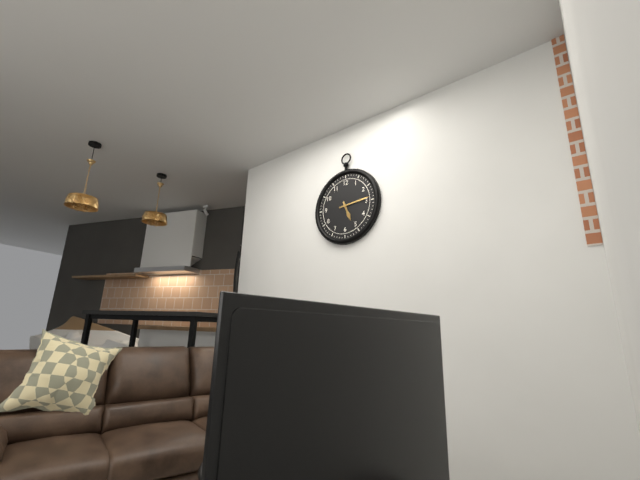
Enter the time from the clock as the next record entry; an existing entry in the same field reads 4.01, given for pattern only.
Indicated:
5.14
